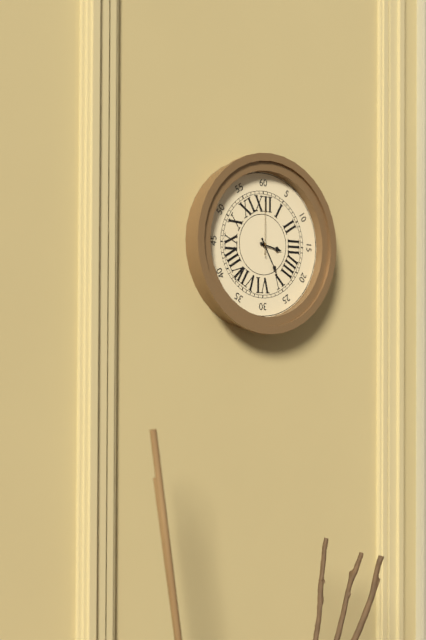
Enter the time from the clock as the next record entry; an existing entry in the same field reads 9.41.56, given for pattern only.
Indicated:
3.25.00
